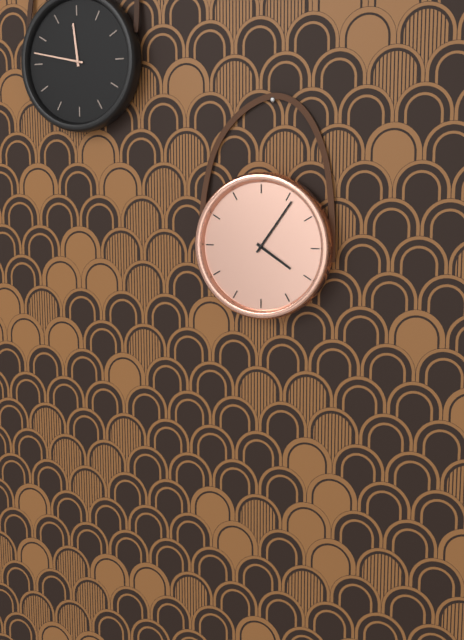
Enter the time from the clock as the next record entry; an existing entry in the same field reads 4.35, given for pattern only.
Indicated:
4.06
